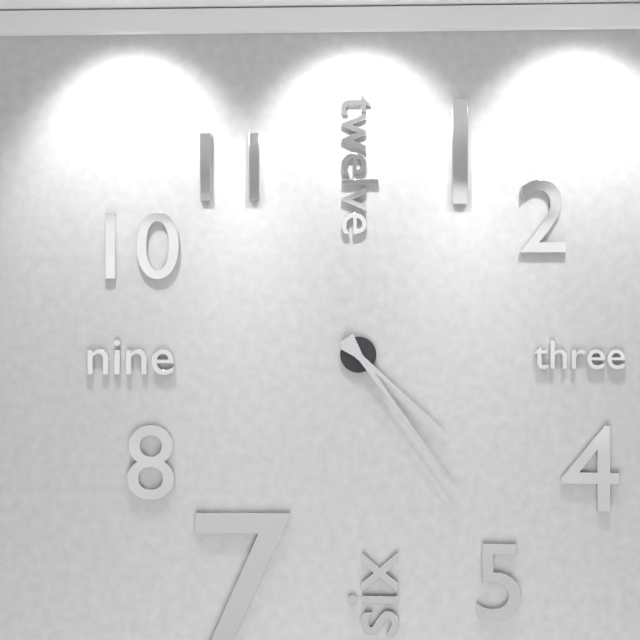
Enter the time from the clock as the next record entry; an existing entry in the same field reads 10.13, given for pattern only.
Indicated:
4.24
